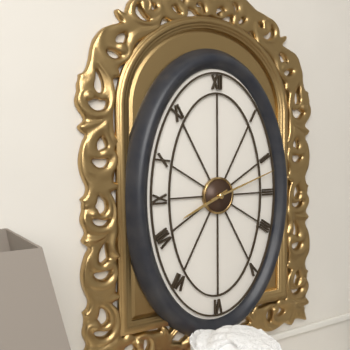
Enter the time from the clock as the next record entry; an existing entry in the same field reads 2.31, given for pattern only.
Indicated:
8.12
